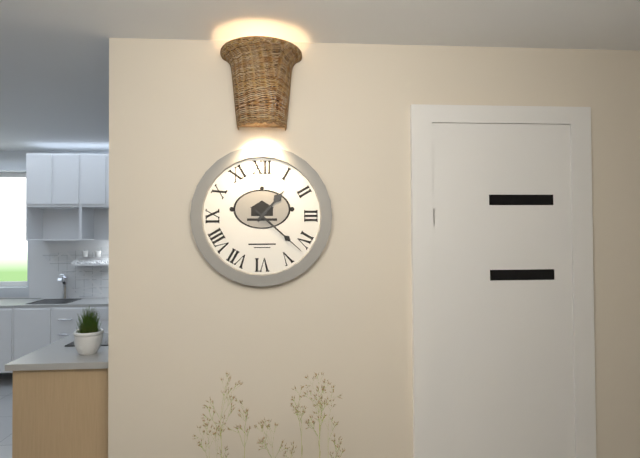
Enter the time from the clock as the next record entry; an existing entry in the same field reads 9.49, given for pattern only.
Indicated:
1.22
